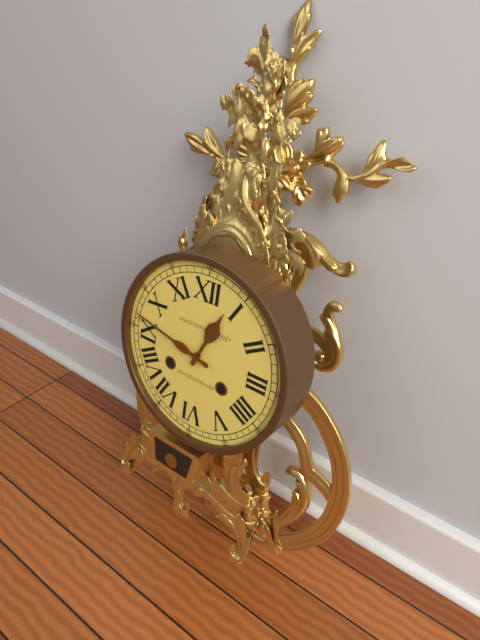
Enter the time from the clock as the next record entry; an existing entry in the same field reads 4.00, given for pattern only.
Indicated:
12.47
